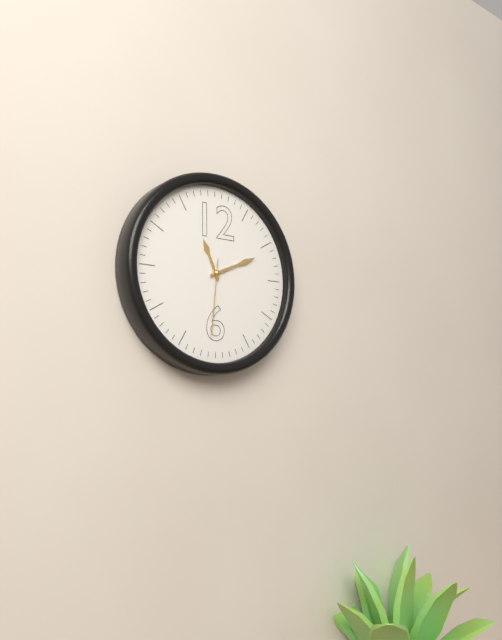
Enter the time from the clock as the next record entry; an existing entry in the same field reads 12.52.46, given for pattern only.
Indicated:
11.11.31
